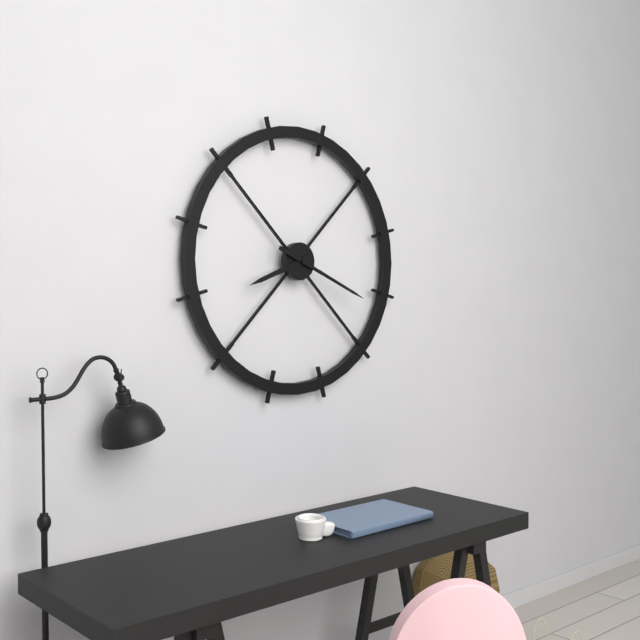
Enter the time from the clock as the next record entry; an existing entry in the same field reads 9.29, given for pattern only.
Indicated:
8.19
